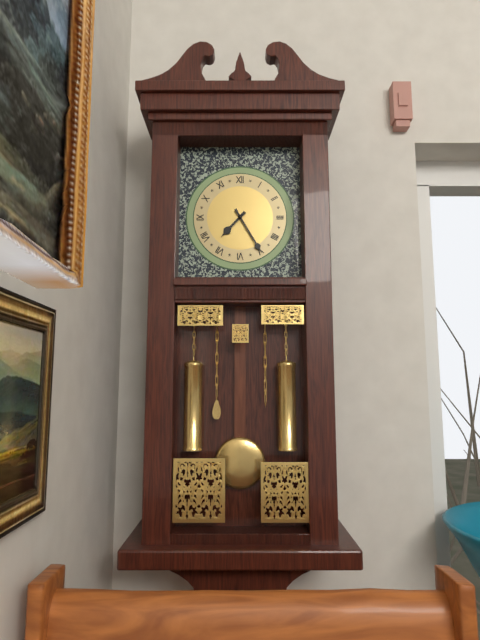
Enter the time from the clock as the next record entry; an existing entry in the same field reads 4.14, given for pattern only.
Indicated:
7.25
